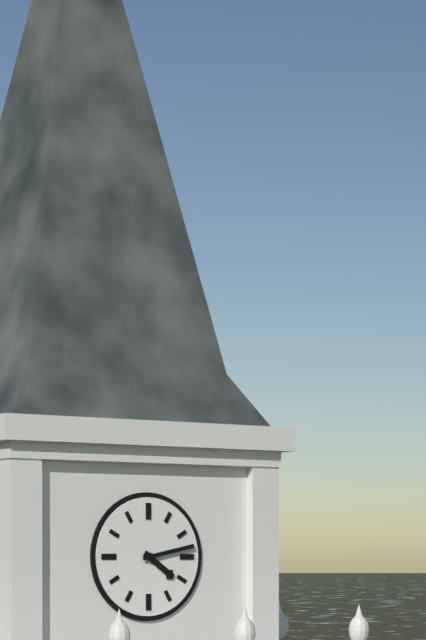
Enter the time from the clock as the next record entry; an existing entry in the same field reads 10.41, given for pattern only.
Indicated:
4.13
